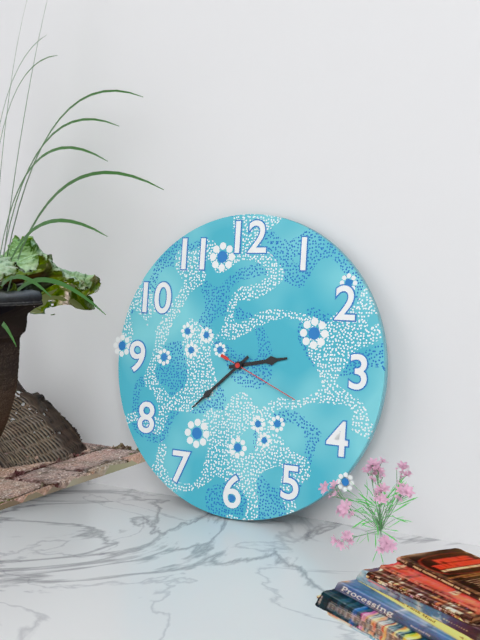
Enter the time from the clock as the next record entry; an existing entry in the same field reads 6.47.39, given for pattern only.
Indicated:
2.38.19
